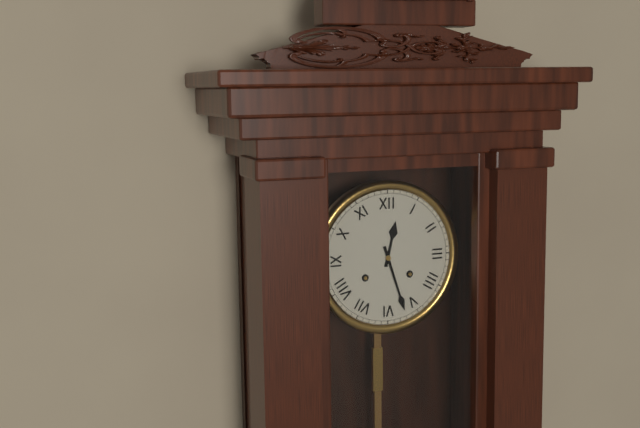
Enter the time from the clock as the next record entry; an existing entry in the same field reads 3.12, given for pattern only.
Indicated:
12.27
